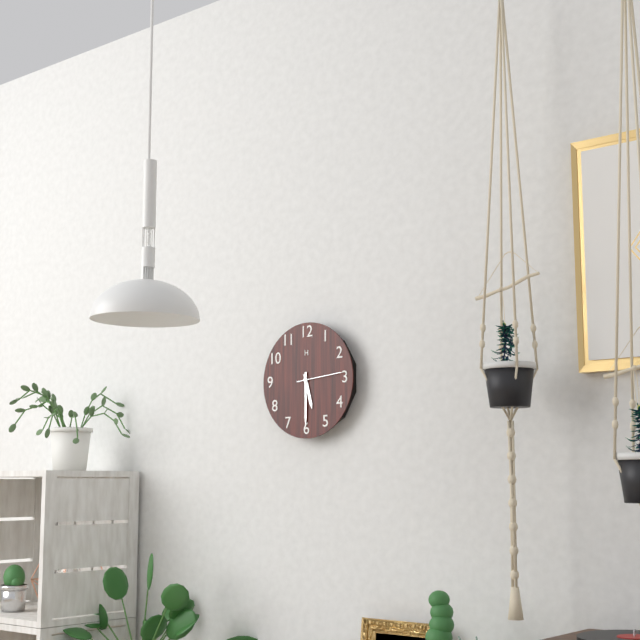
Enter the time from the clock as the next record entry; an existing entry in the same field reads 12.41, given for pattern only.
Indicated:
5.30
